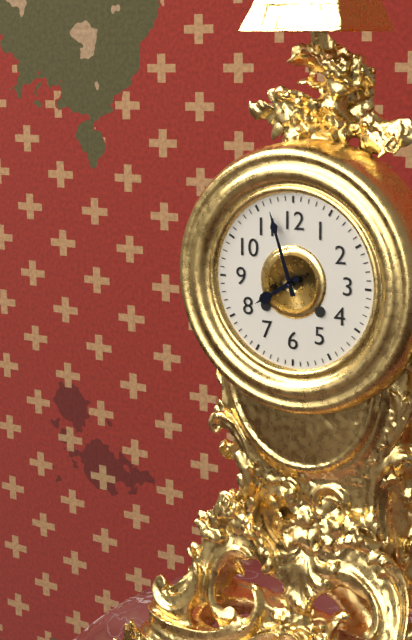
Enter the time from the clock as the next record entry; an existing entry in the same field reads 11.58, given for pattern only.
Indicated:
7.57
